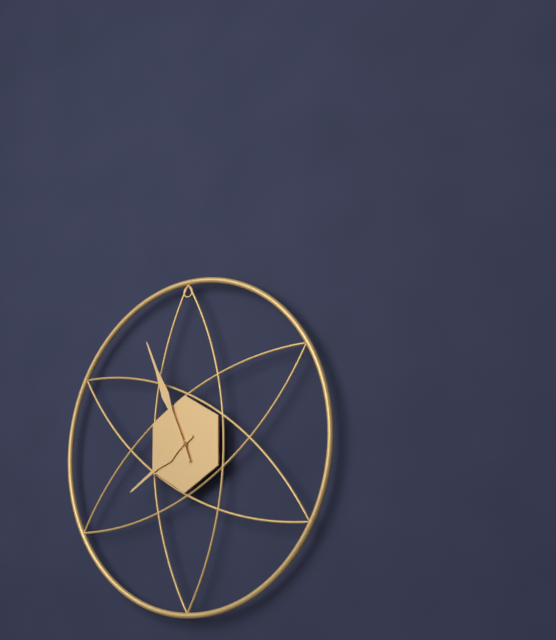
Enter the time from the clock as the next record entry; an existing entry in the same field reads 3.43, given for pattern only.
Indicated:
7.56
